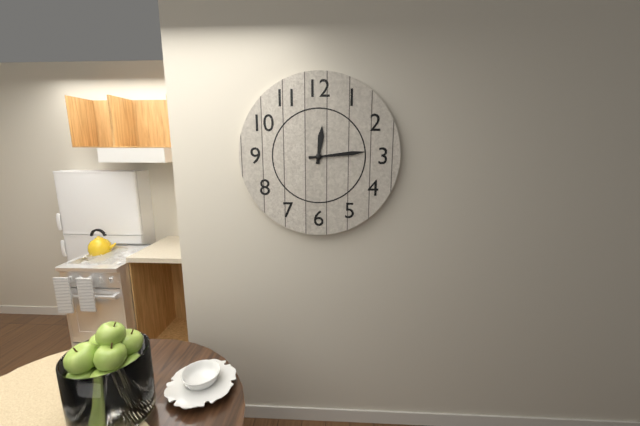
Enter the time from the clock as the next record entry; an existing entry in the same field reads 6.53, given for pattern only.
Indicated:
12.14
